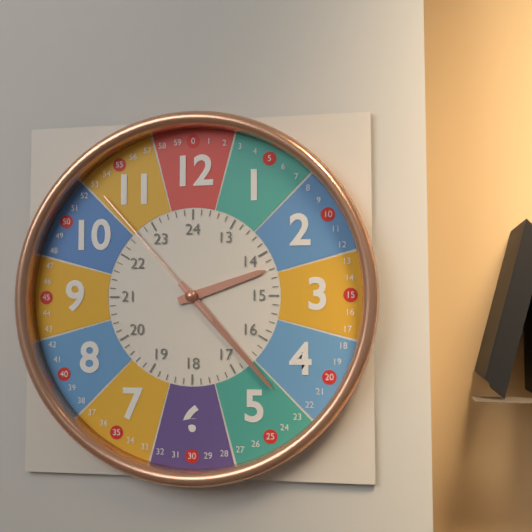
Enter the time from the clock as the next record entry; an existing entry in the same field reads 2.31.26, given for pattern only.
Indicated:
2.23.53
